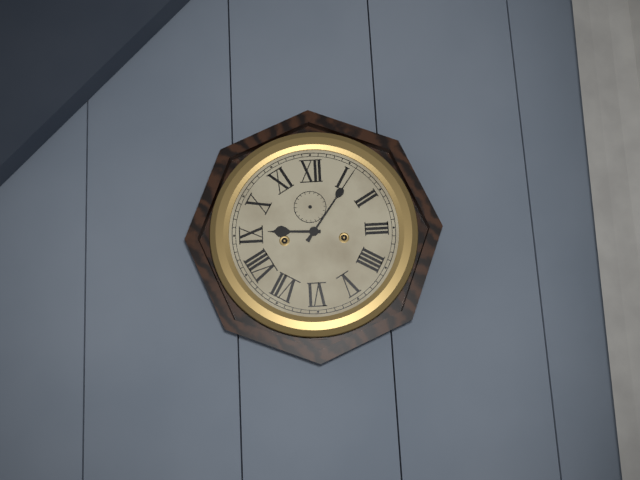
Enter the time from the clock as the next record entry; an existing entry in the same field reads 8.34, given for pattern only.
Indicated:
9.06
